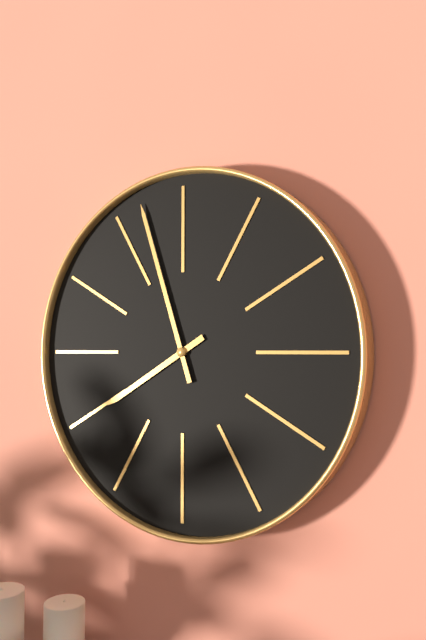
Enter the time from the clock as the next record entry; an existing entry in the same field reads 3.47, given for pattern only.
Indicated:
7.57
